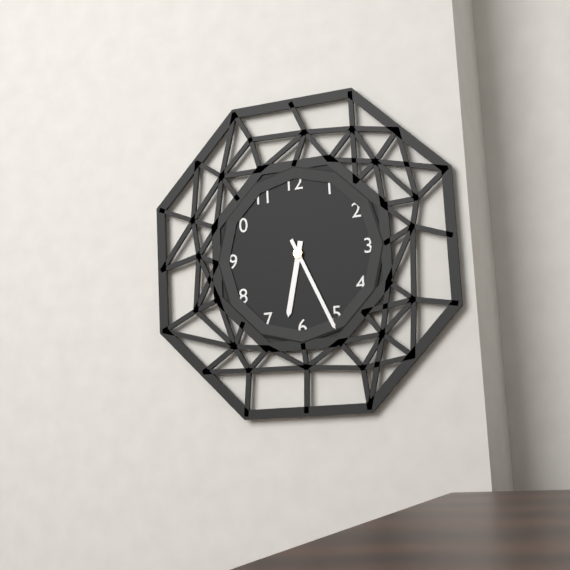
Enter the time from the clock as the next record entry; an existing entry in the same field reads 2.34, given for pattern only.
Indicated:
6.26
